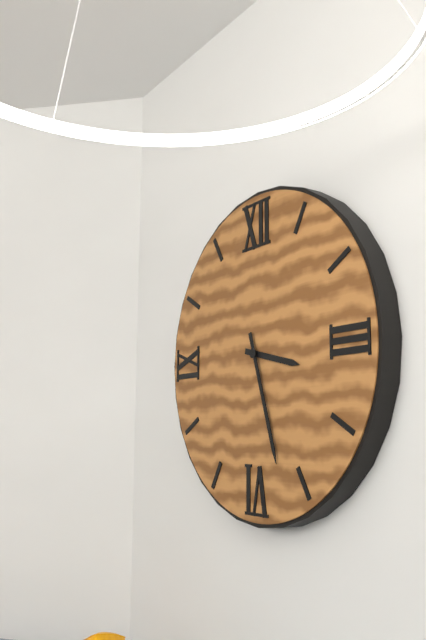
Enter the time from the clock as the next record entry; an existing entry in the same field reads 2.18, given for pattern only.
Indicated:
3.27
